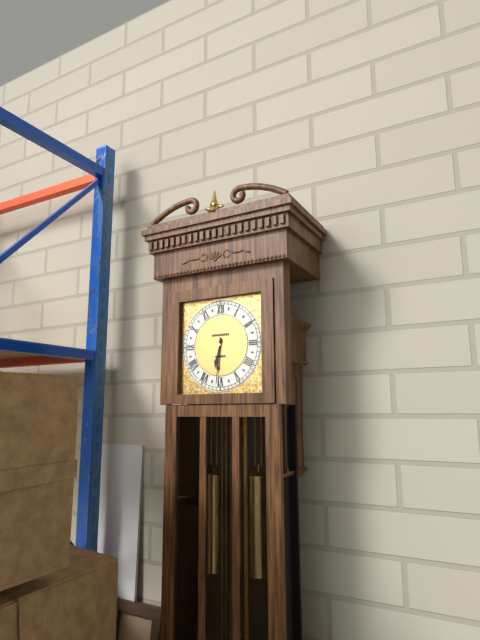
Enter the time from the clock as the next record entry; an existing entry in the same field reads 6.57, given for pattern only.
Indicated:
6.31
